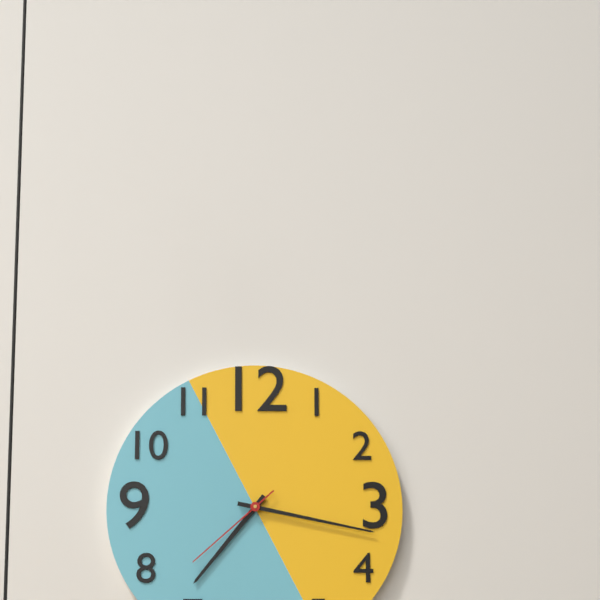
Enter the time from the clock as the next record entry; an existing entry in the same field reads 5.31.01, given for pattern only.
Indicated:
7.17.38
